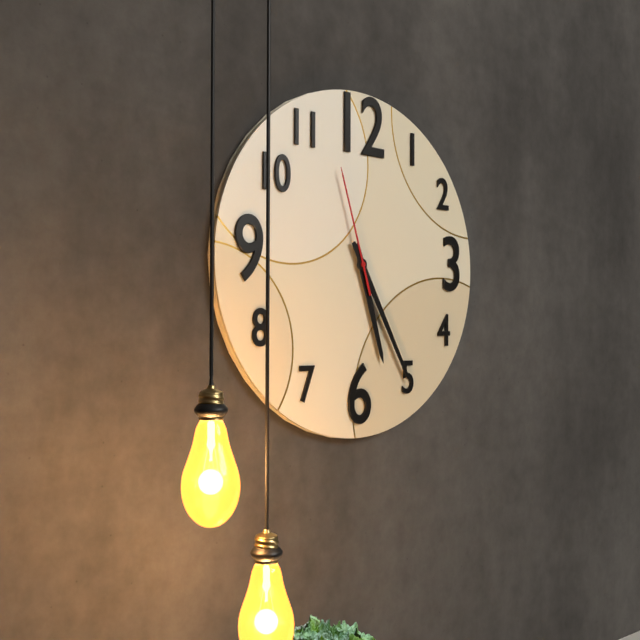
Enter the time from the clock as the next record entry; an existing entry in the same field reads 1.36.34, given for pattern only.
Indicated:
5.25.57
